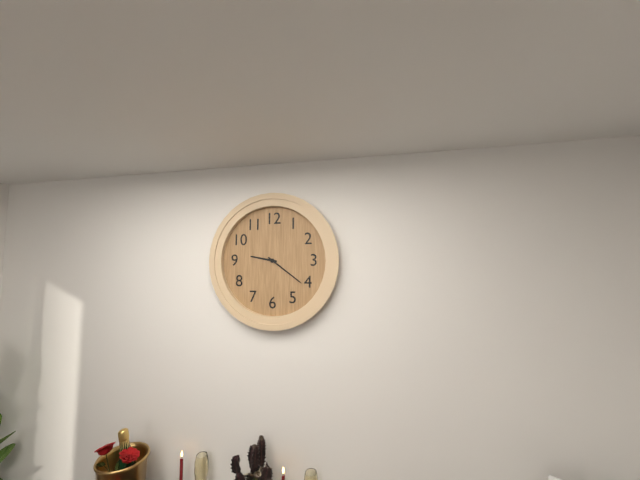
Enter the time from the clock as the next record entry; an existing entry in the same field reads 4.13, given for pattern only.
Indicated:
9.21
